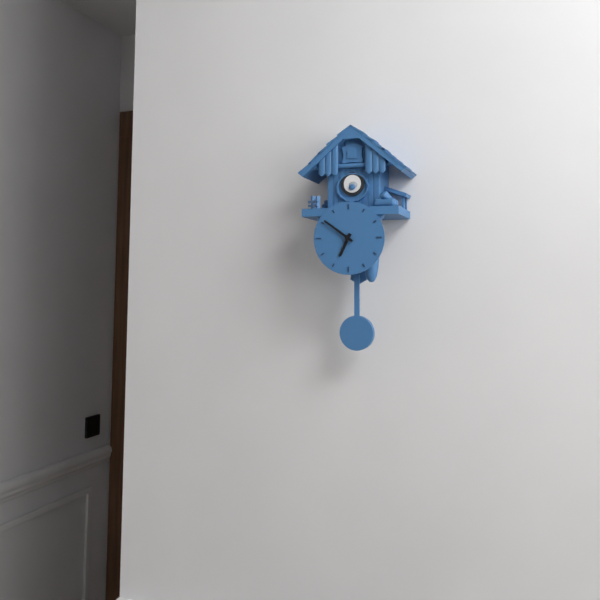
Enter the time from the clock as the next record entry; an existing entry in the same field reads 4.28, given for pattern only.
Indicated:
6.51
